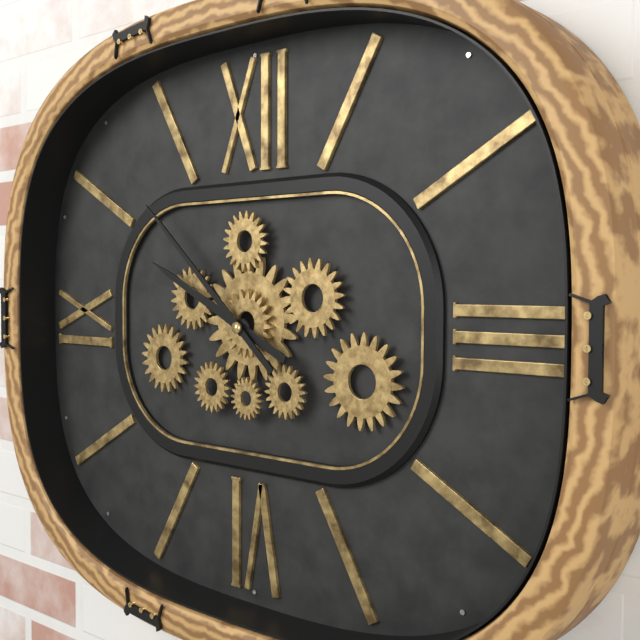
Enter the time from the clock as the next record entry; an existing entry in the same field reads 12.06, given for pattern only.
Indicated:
9.52
